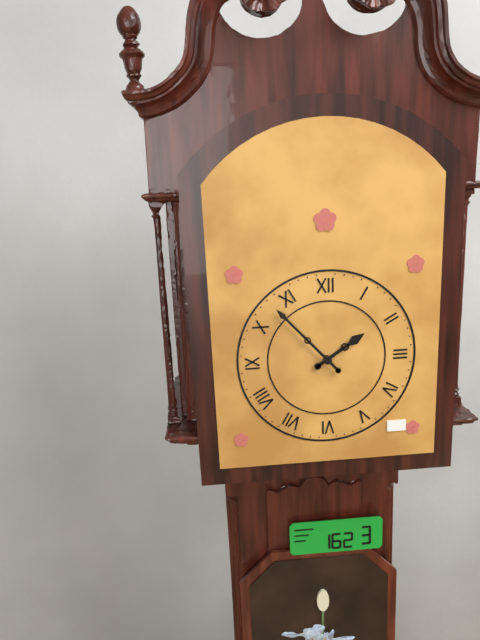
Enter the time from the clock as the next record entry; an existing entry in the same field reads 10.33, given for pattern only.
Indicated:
1.53
